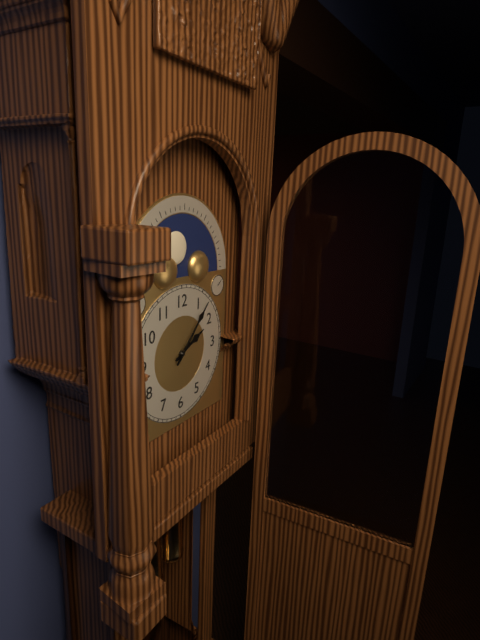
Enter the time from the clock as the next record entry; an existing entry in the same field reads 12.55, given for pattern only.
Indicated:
2.07
